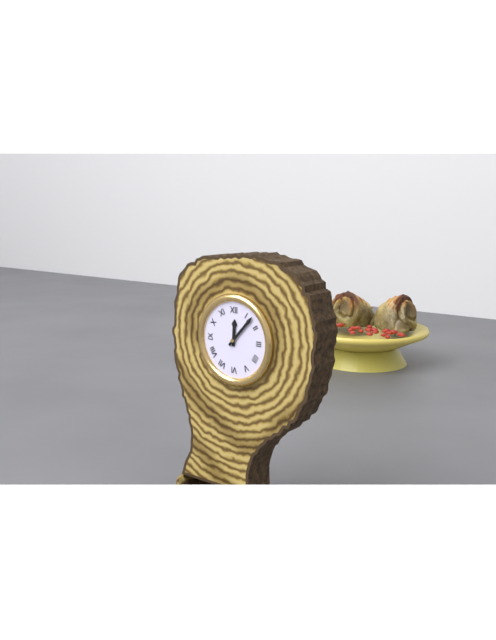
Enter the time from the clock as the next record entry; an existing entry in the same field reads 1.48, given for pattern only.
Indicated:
12.07
